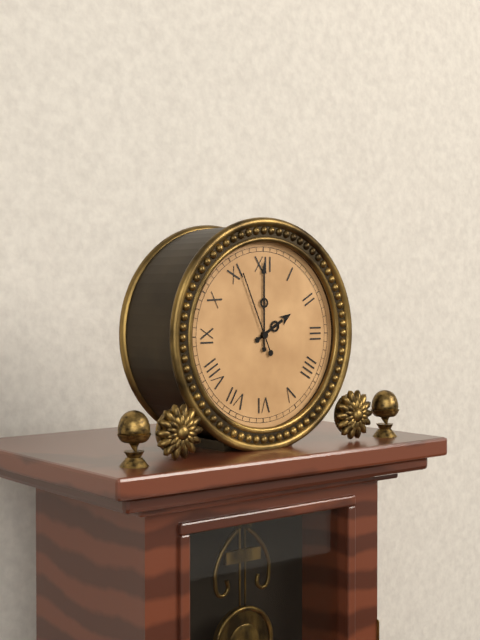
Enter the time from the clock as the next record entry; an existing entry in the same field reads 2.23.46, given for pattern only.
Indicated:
2.00.56
